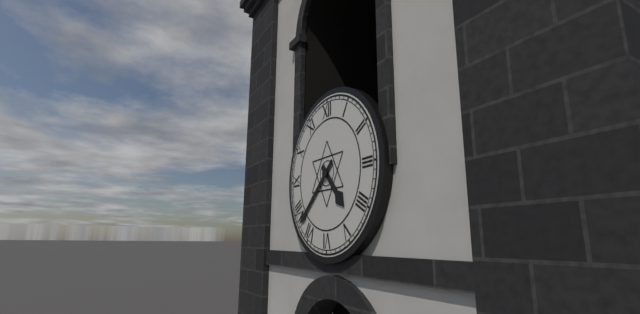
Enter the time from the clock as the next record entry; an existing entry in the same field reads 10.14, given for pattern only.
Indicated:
4.38
